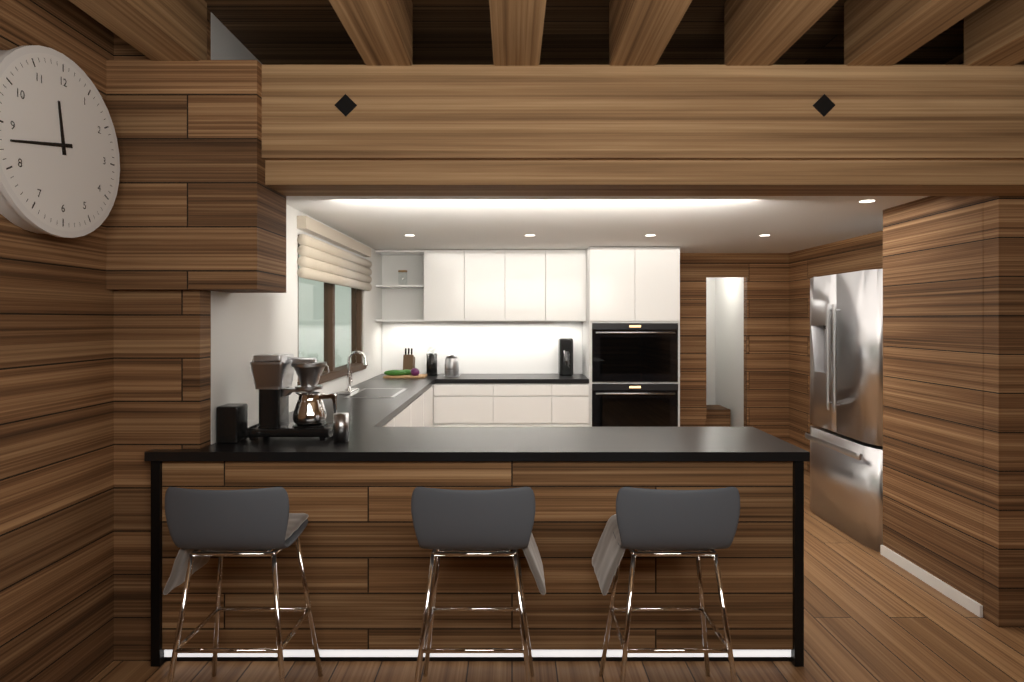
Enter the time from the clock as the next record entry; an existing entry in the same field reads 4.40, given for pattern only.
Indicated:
11.43
